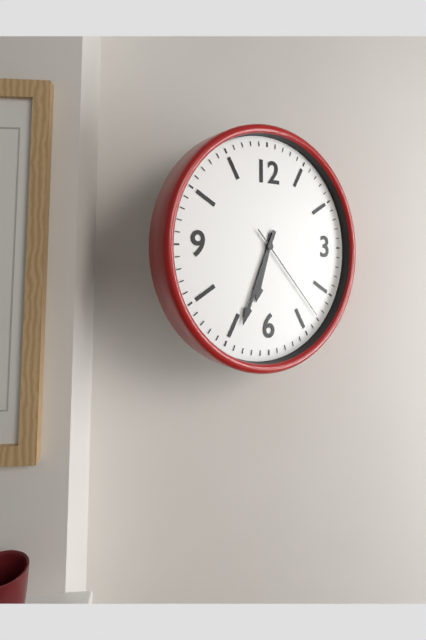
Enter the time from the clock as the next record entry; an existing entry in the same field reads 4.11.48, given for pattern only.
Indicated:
6.34.23
